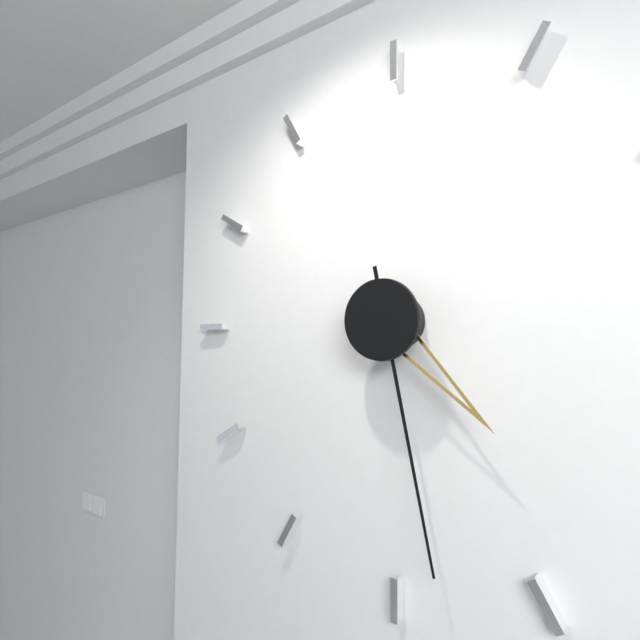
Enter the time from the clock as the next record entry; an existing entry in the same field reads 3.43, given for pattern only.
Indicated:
4.28
